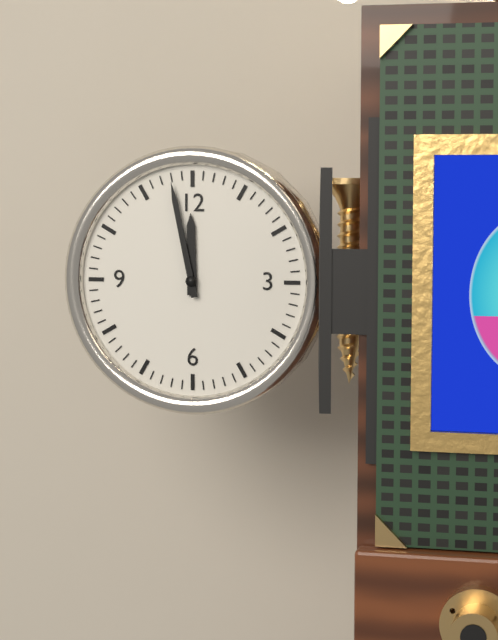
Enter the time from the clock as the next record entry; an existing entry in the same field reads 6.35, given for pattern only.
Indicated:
11.58
